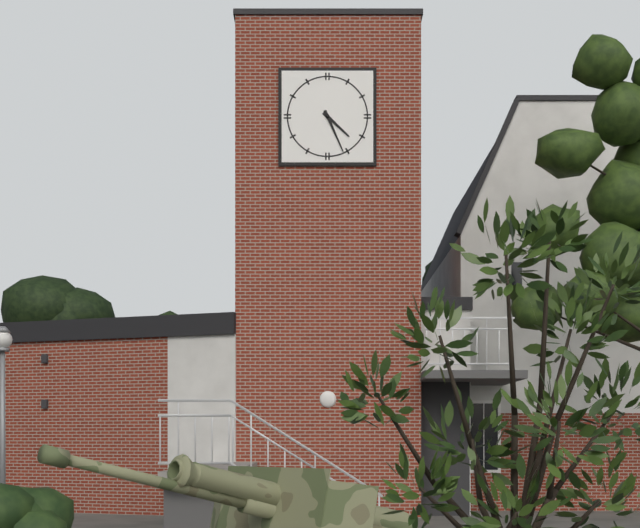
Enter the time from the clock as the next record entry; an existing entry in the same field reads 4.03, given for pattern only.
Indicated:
4.26
